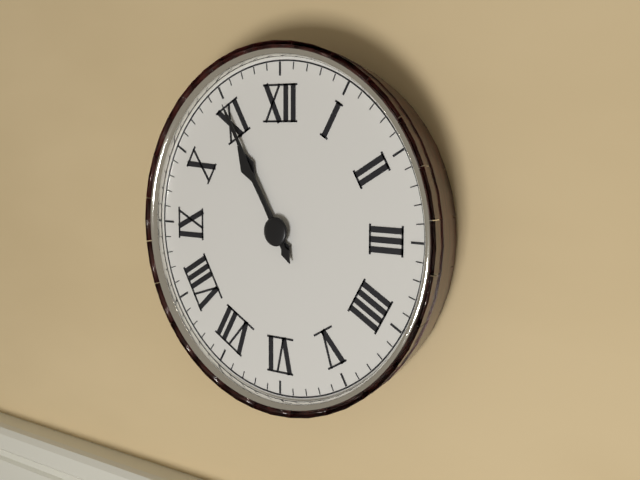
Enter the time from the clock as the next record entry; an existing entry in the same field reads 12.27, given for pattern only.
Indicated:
10.55
